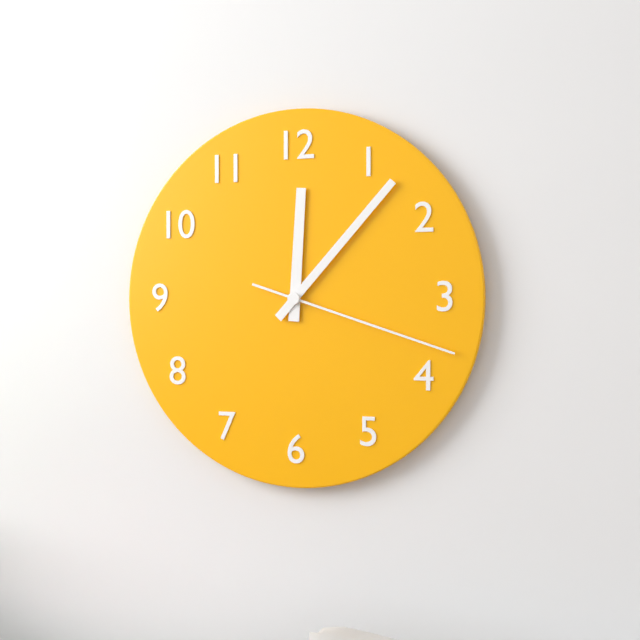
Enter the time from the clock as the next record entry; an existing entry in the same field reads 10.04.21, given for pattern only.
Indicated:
12.07.18
